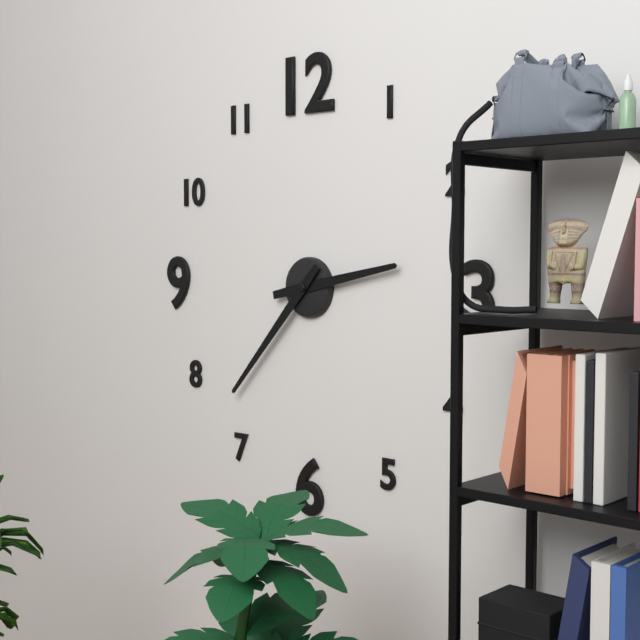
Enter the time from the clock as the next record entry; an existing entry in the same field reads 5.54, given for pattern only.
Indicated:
2.37
